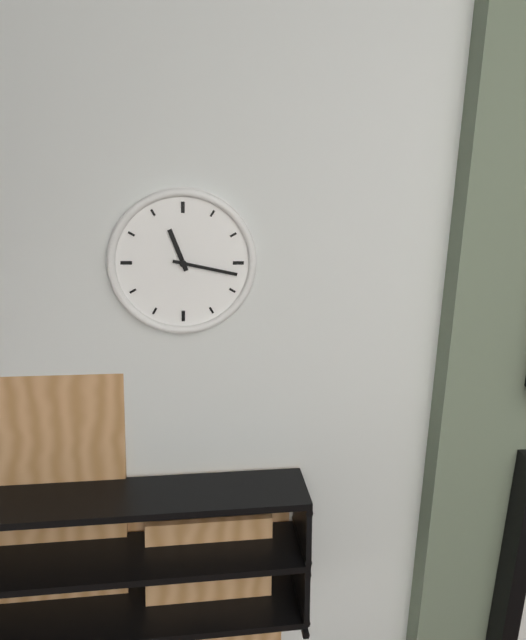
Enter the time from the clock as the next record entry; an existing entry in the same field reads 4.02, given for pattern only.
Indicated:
11.17
